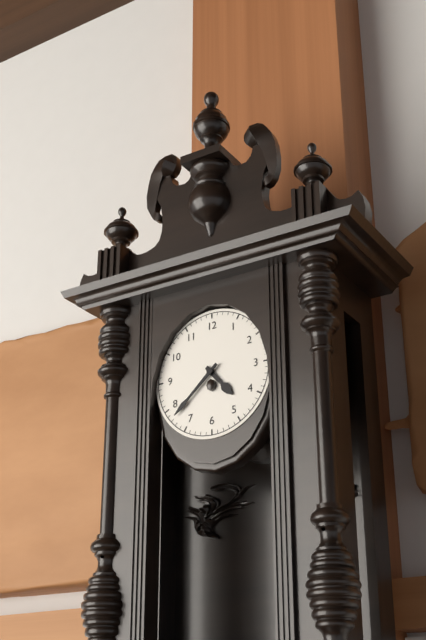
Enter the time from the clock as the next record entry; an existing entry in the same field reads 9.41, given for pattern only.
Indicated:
4.38
